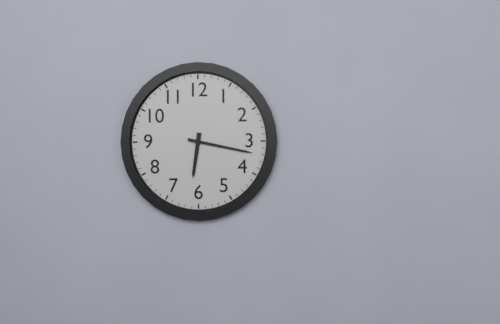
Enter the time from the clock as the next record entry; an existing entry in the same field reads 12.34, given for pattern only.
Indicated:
6.17
